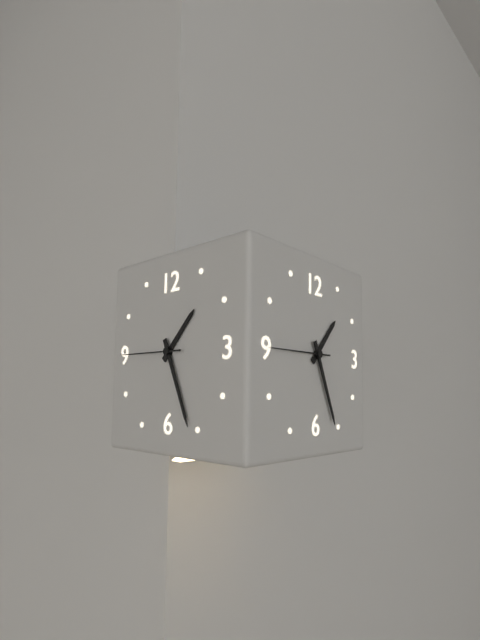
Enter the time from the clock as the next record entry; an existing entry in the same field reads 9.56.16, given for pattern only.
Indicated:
1.26.45
